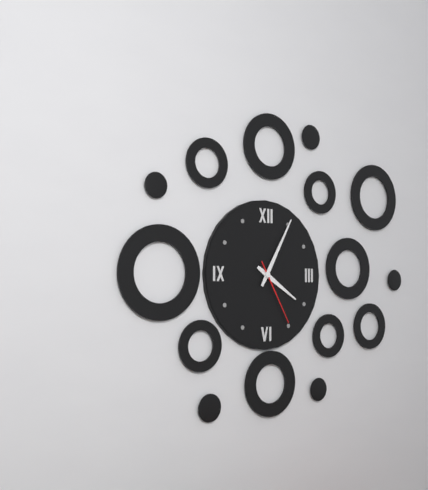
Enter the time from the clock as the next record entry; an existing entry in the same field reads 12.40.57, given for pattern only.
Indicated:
4.05.25
